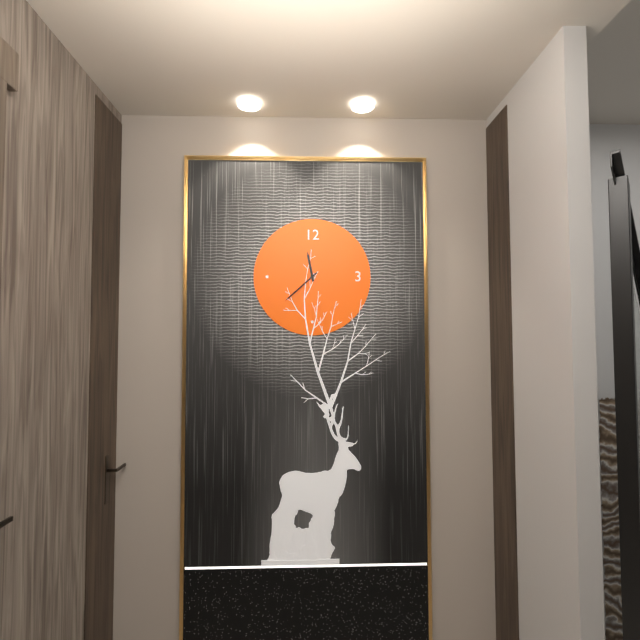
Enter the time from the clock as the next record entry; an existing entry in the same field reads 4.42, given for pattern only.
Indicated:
11.38
